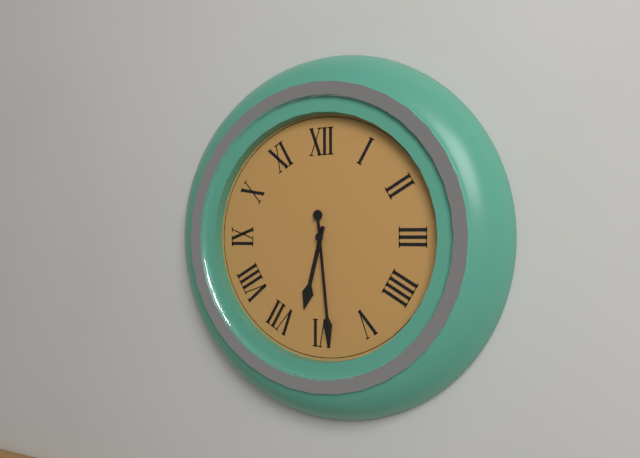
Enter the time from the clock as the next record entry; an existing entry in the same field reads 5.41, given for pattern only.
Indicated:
6.29
